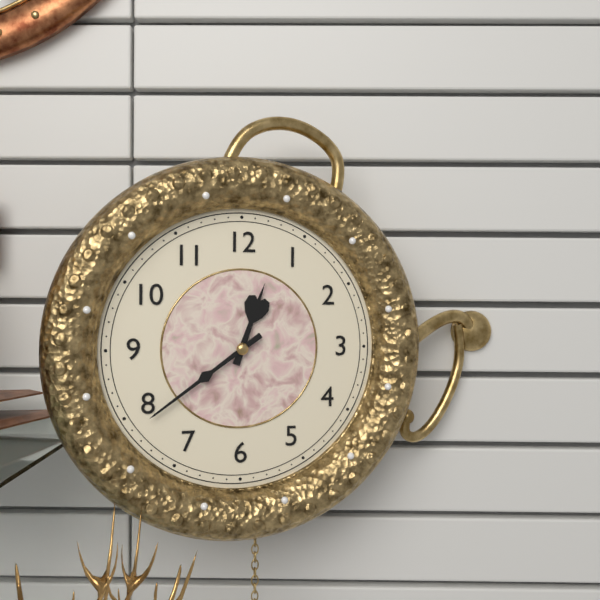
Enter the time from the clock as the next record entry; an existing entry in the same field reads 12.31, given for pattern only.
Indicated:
12.39
